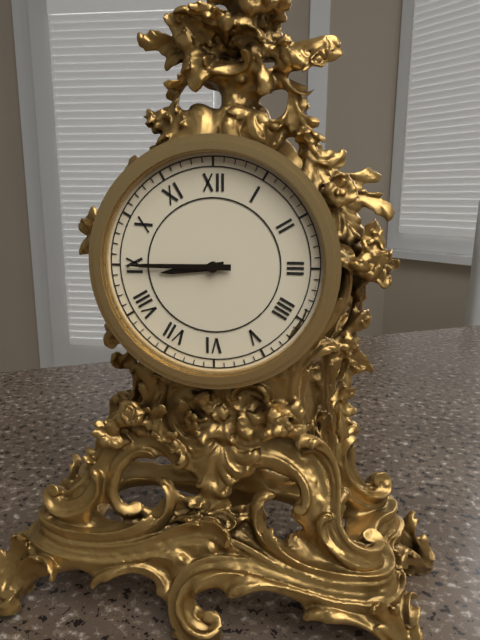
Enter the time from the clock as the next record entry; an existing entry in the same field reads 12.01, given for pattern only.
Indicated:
8.45
